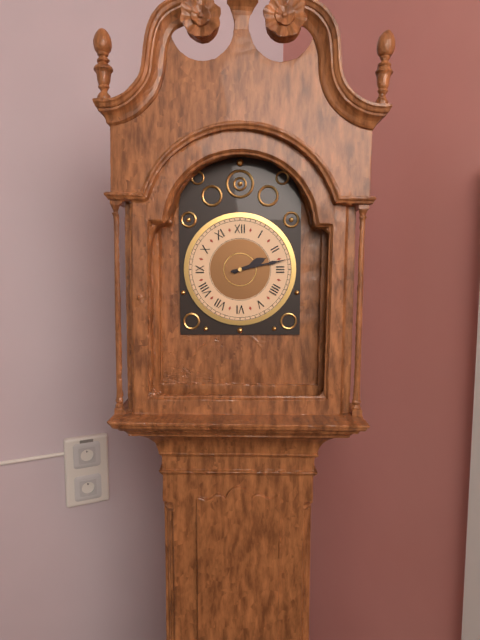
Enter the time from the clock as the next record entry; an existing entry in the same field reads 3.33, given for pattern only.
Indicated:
2.13
